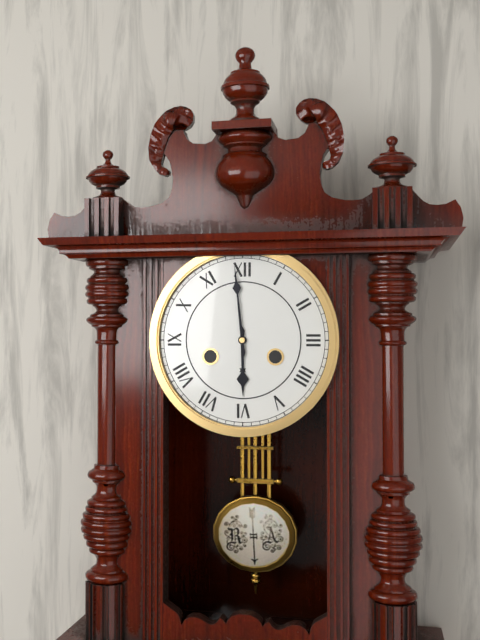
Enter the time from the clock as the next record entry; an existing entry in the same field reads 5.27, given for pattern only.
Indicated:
5.59
